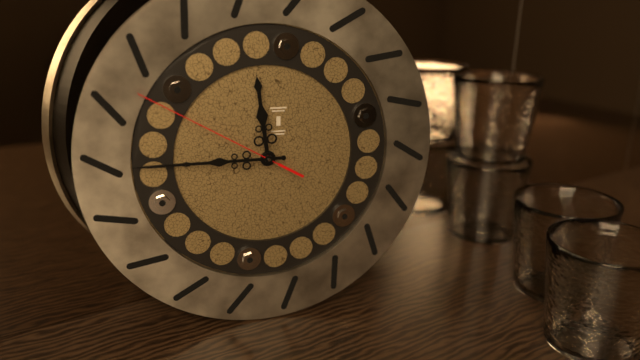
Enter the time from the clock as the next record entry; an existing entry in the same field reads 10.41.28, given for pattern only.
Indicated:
11.45.50
